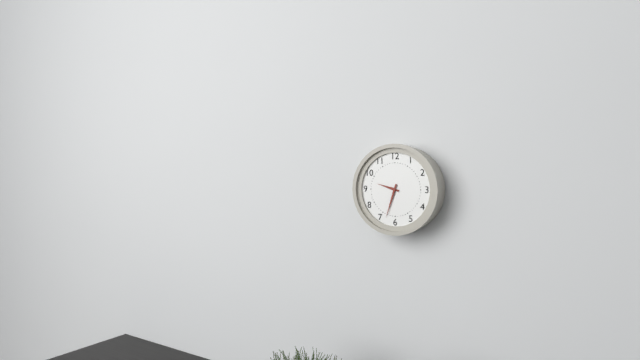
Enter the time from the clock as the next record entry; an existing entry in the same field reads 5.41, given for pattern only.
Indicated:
9.33
